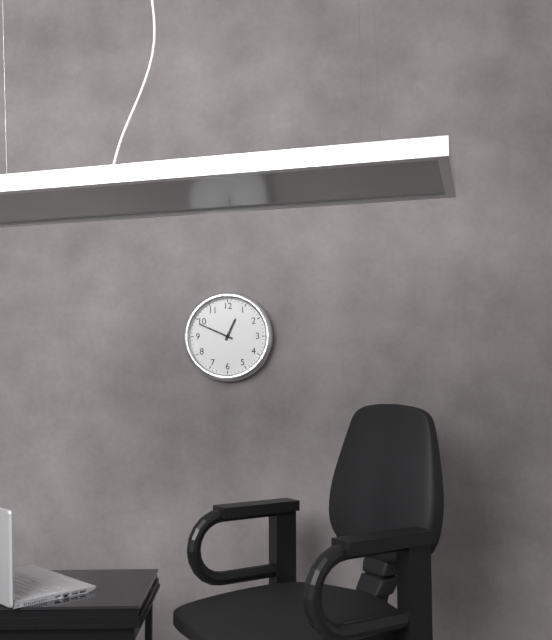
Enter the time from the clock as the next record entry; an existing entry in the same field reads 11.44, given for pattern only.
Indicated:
12.49
